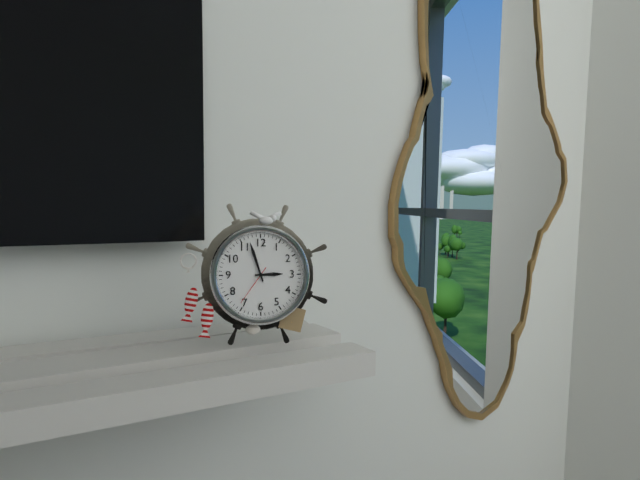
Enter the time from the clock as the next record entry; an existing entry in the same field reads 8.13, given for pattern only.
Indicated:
2.57
